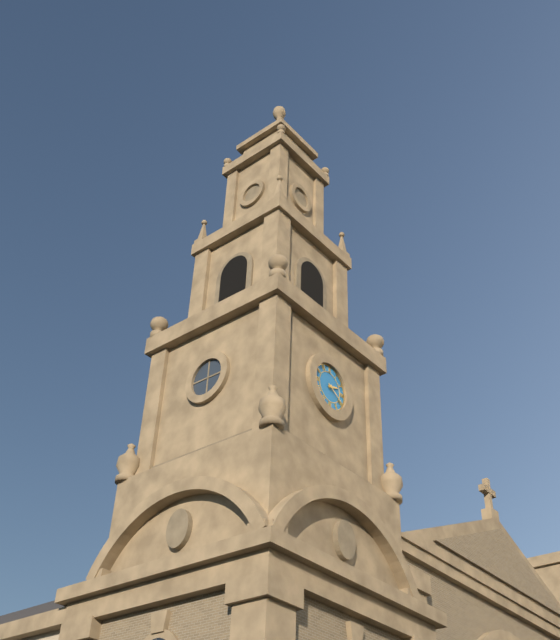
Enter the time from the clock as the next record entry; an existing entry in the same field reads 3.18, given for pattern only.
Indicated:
2.20
